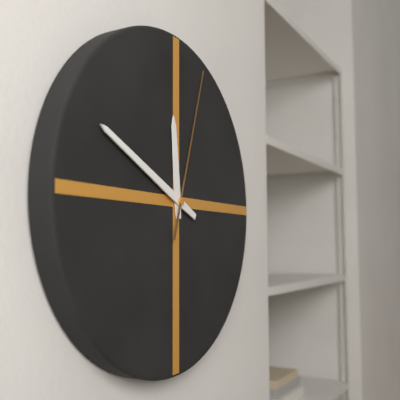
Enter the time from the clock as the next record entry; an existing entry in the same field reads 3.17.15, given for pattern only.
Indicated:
11.49.03
